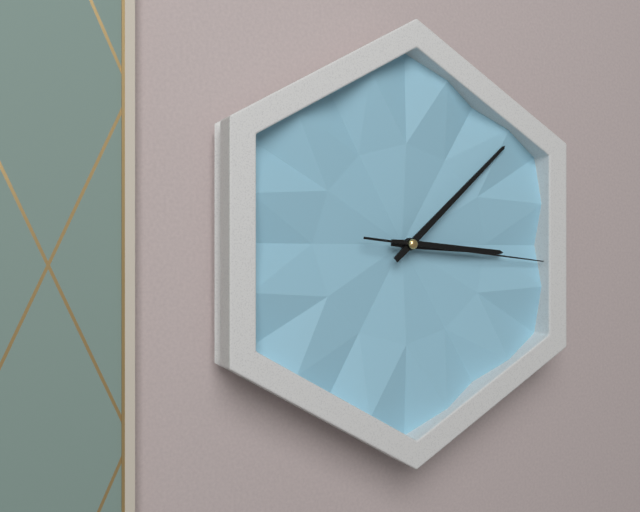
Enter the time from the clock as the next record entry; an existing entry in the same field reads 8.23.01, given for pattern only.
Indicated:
3.08.16
